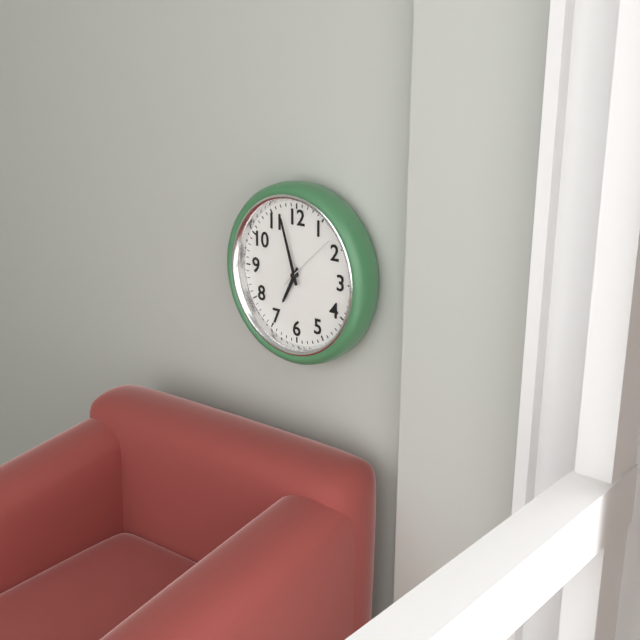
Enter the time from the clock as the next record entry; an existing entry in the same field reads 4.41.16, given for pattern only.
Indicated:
6.57.08
